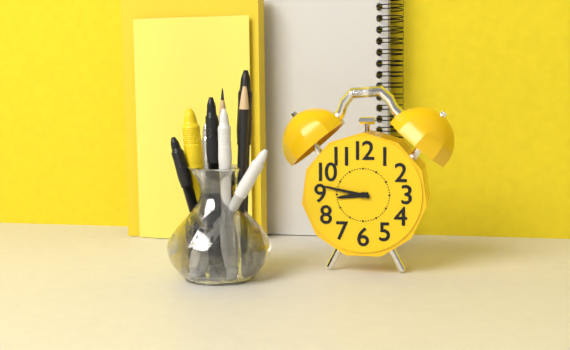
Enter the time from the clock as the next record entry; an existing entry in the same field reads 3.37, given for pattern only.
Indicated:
8.47
